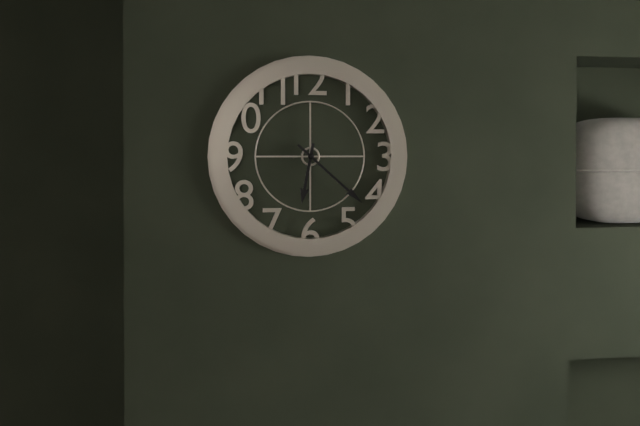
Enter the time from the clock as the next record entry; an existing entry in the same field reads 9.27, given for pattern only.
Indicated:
6.22
